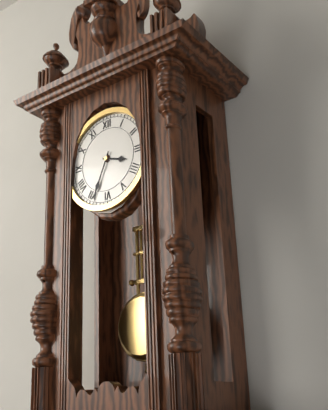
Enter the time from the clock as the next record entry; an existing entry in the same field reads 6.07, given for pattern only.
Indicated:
3.34
